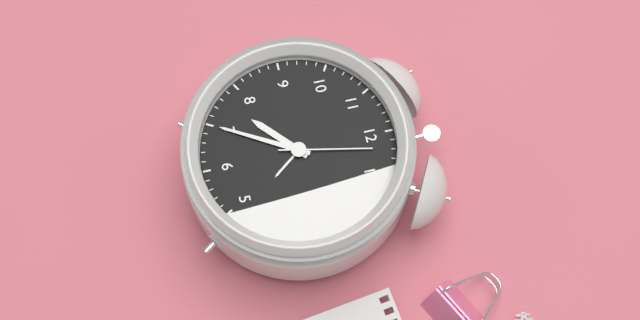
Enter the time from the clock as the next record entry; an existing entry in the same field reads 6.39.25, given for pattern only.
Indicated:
7.35.02
